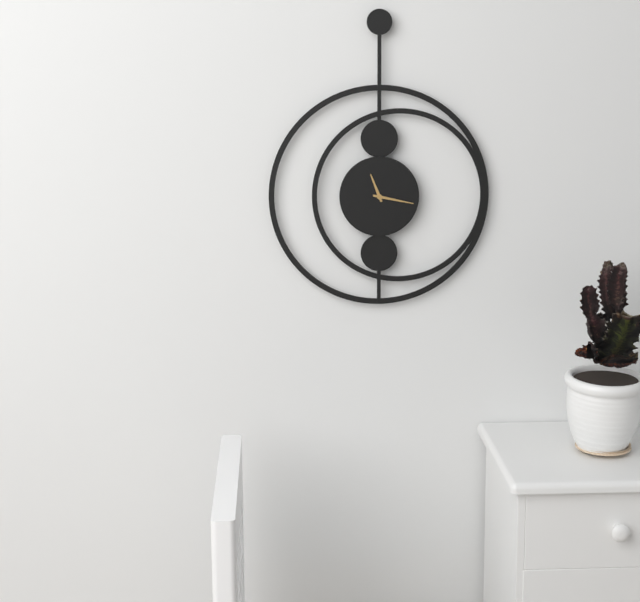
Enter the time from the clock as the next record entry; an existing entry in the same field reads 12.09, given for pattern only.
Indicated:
11.17
